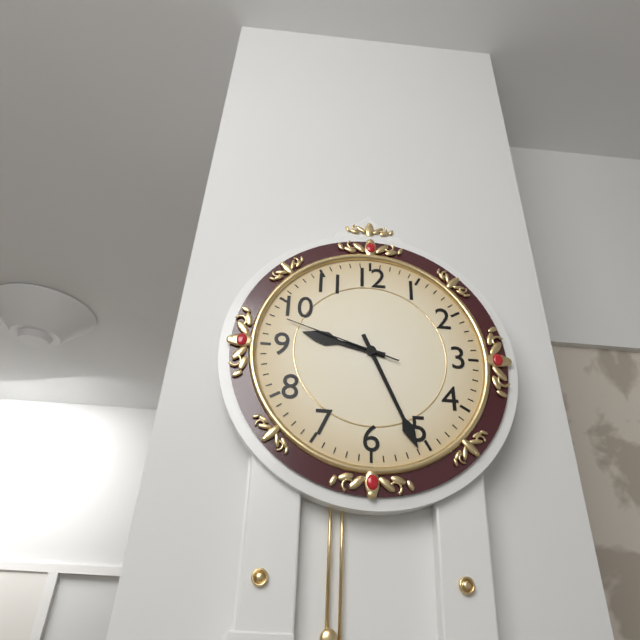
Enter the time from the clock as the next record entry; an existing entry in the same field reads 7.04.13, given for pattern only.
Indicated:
9.26.48
